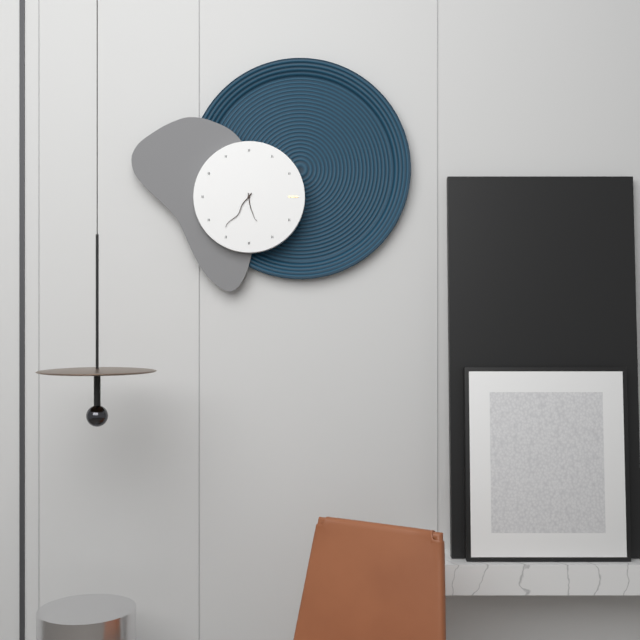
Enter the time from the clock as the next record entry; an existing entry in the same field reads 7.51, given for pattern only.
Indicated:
5.36
